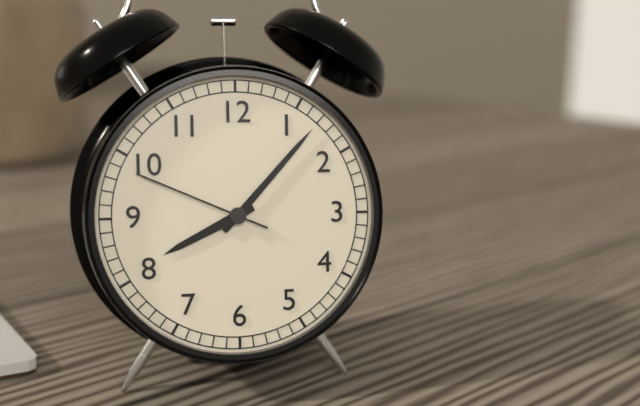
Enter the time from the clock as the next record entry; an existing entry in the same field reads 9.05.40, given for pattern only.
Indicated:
8.07.49
